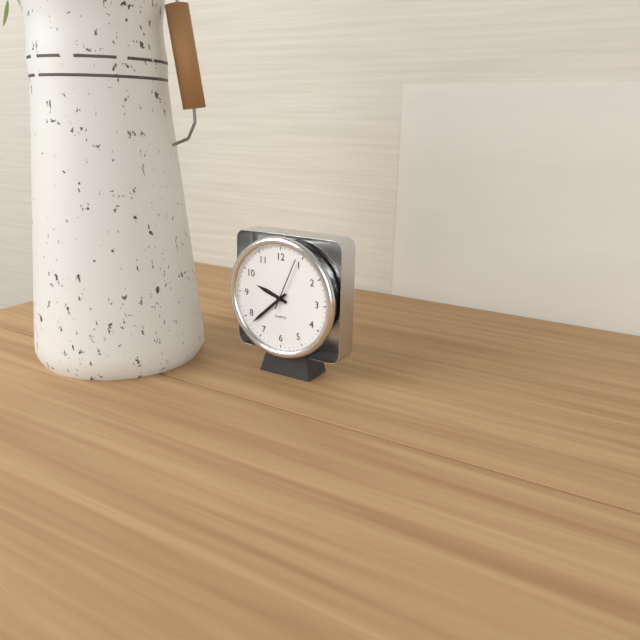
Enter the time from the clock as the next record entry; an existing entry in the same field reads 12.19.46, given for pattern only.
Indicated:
9.38.04
